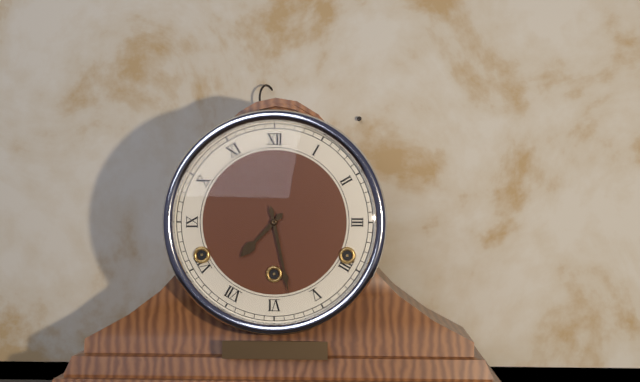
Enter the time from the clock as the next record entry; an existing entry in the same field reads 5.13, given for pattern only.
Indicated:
7.28
